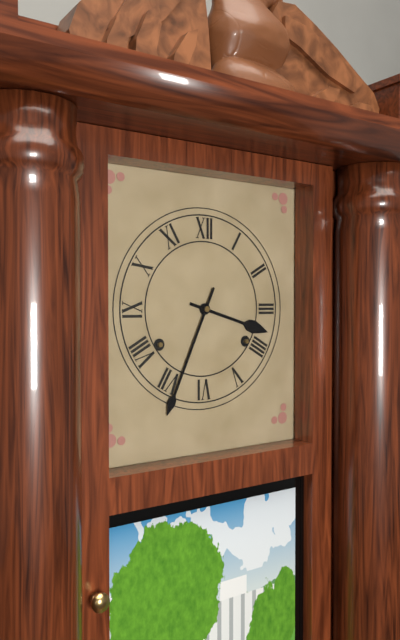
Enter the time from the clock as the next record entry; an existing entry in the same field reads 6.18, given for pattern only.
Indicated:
3.34
